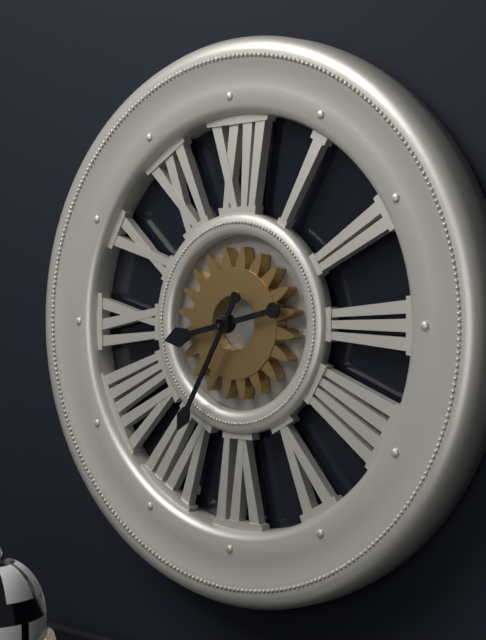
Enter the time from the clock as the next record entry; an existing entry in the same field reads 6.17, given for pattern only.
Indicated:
8.35
